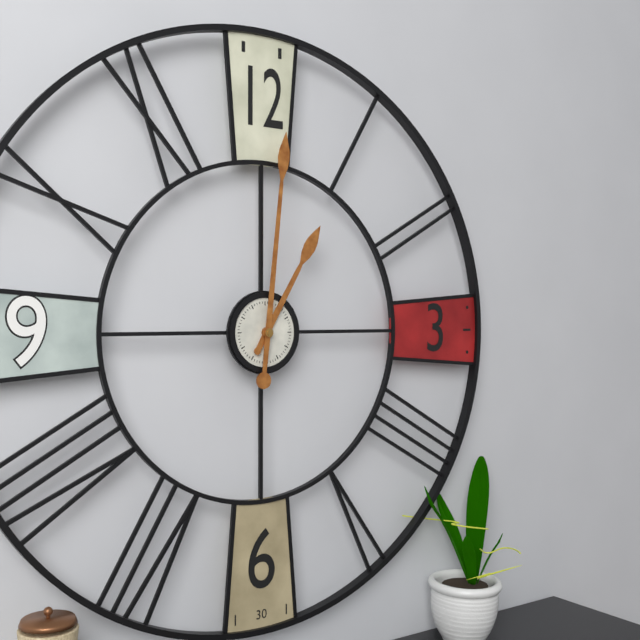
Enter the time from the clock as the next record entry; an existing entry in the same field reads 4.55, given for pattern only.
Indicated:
1.01
